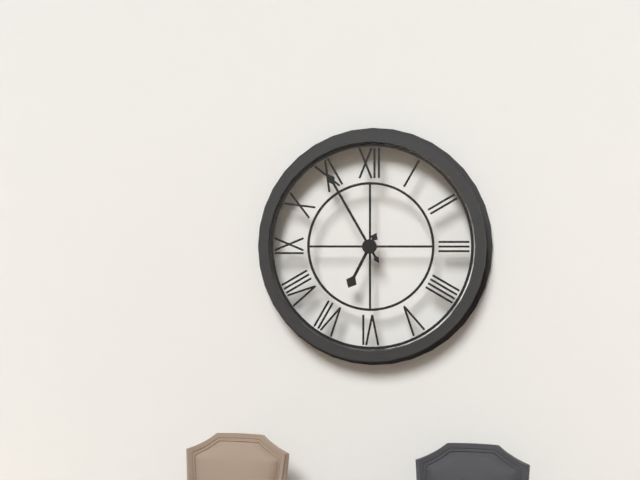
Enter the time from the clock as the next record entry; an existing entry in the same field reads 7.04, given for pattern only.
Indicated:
6.55
